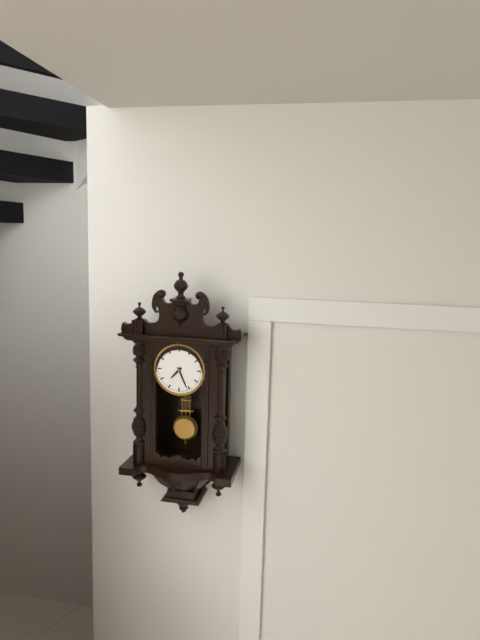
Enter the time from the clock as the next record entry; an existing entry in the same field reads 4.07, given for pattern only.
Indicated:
7.26
